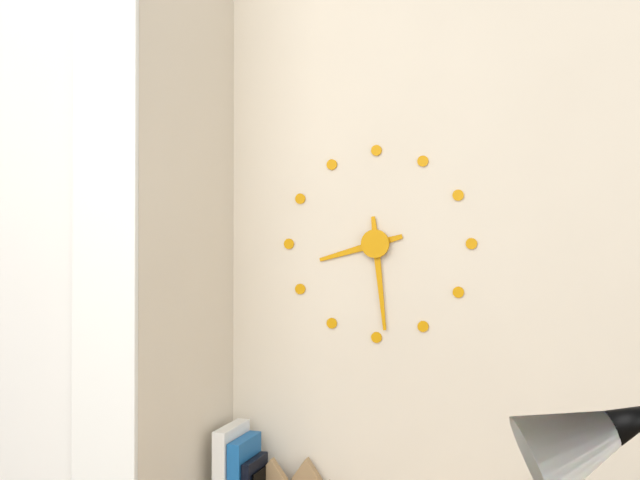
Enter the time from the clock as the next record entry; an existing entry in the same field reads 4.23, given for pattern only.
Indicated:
8.29
